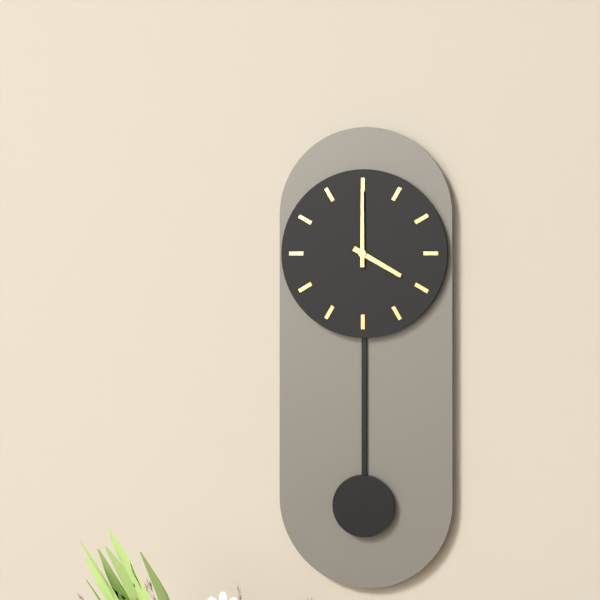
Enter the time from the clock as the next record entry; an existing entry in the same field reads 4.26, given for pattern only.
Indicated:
4.00
